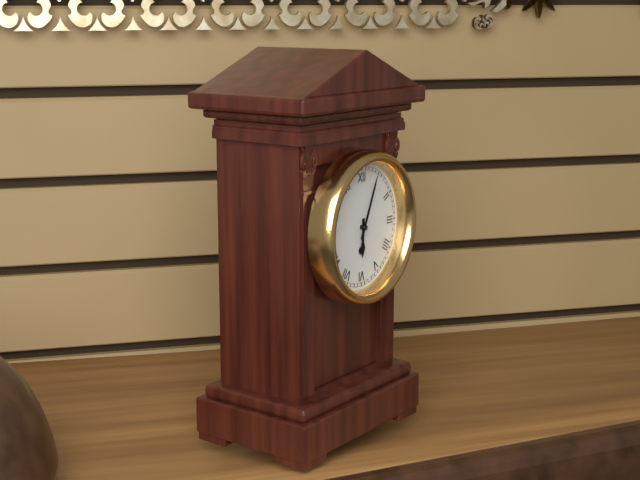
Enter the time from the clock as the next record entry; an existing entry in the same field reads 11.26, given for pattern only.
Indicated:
6.04
